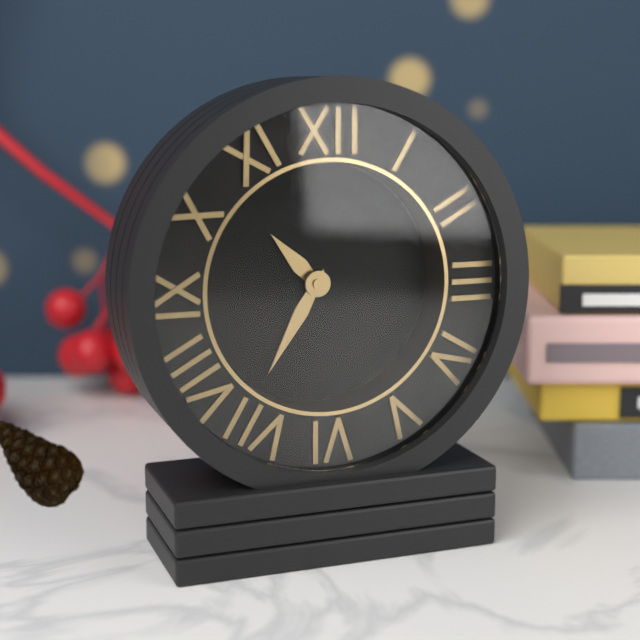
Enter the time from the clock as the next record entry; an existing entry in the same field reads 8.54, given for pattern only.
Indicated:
10.35
